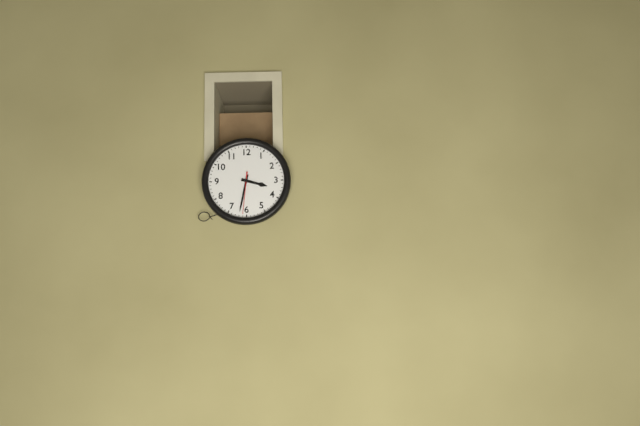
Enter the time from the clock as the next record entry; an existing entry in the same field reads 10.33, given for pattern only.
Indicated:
3.32
